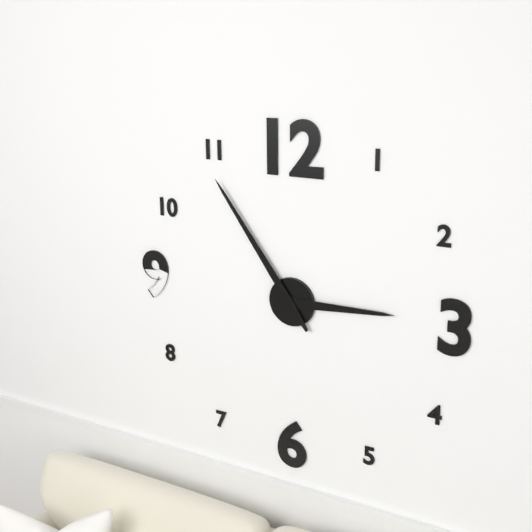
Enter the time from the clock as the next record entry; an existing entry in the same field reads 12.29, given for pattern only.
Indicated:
2.54
